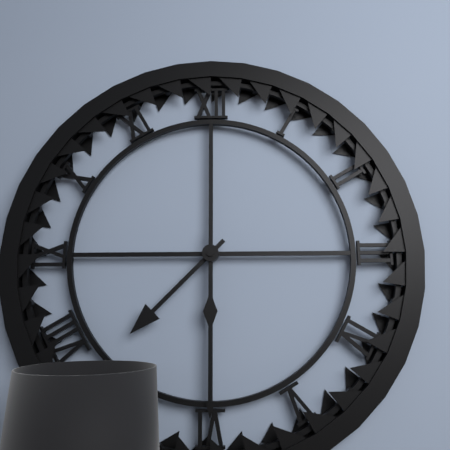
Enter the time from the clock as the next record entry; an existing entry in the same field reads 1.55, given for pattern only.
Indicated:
7.30
